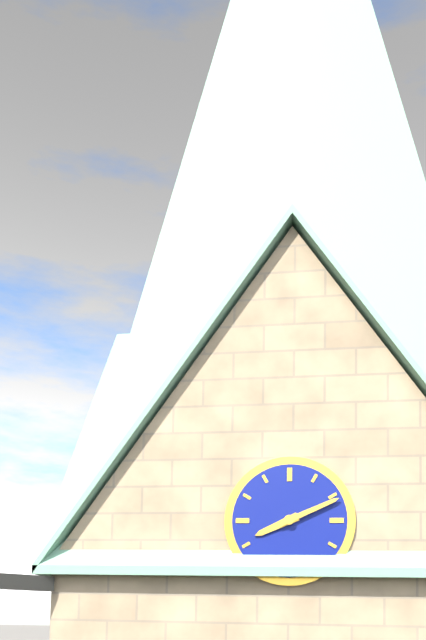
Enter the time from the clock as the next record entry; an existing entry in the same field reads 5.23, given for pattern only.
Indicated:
8.11
